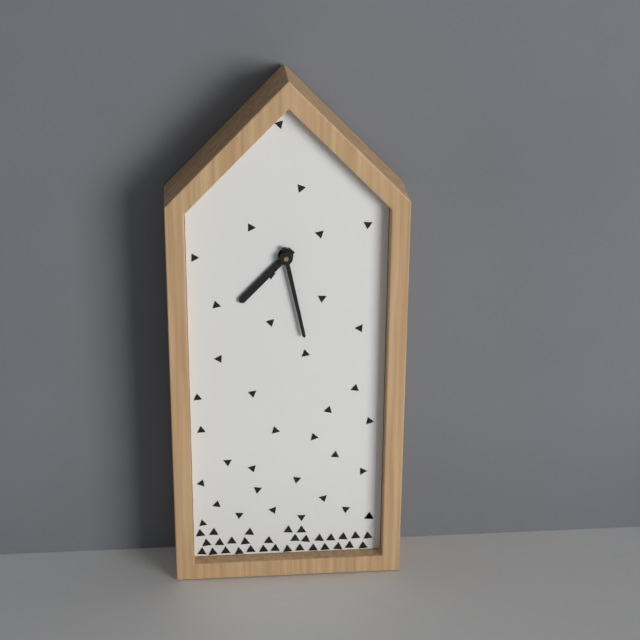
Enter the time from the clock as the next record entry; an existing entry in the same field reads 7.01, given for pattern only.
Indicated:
7.28
